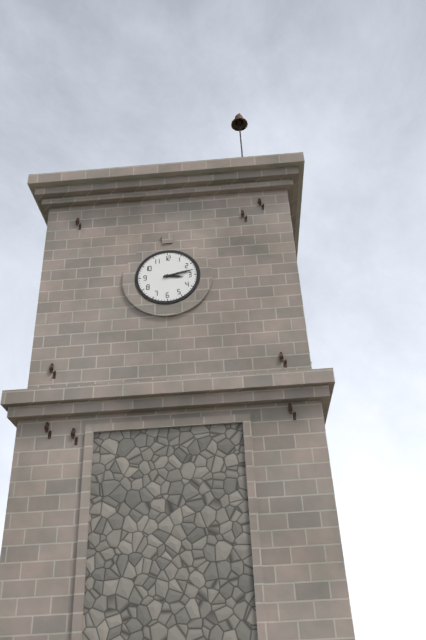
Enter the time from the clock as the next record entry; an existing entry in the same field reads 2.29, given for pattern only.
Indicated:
3.13
